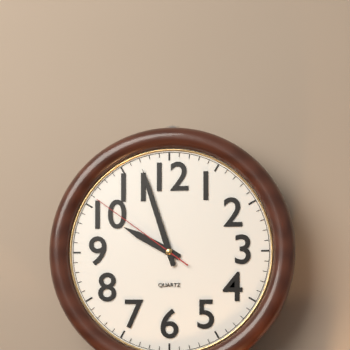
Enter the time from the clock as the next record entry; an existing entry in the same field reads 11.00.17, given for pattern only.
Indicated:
9.57.51
